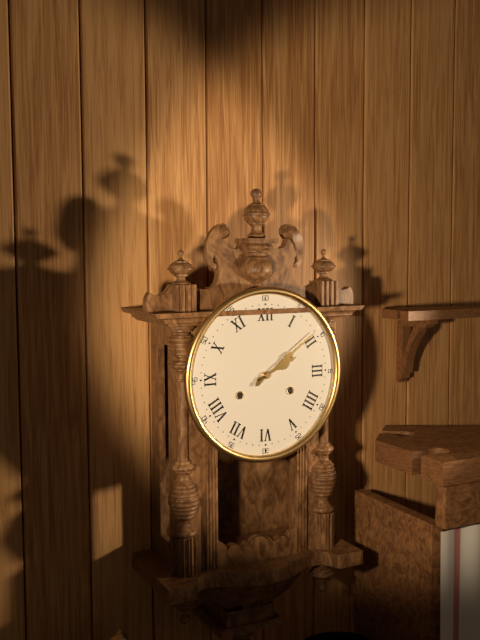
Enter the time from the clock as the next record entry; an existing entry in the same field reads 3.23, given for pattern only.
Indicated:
2.09
